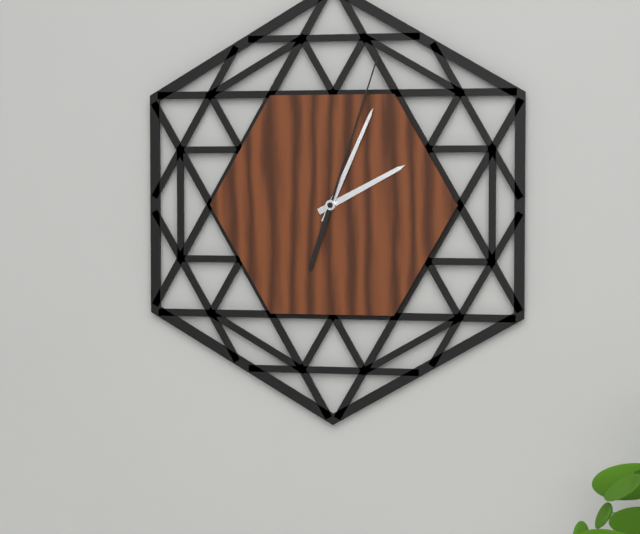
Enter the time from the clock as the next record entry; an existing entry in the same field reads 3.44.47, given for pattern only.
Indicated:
2.04.03
